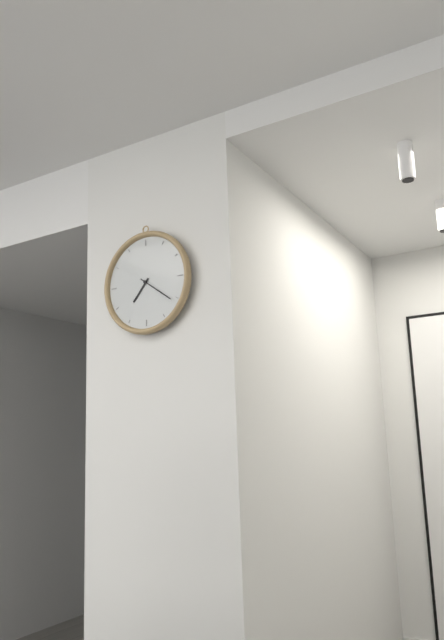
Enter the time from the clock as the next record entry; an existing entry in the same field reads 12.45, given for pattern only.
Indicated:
7.21
